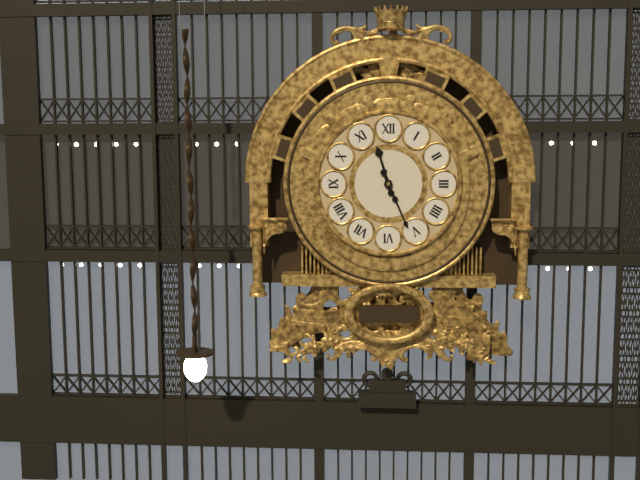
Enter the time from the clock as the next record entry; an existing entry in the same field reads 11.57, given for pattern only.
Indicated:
11.26
